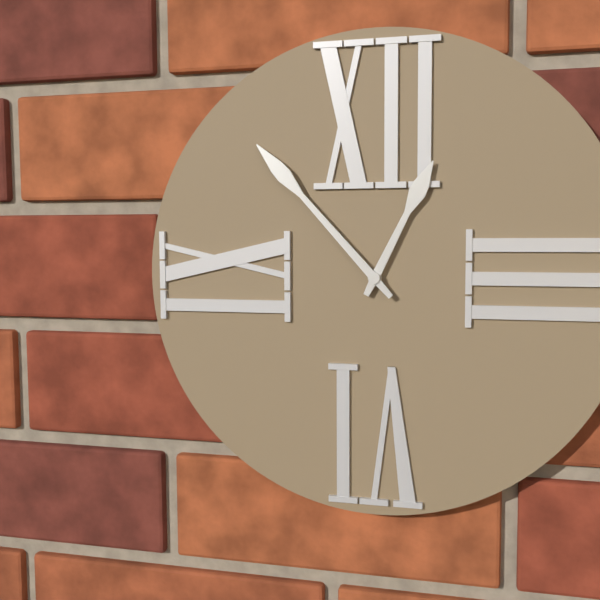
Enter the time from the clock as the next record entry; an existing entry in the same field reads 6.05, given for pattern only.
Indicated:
12.53
